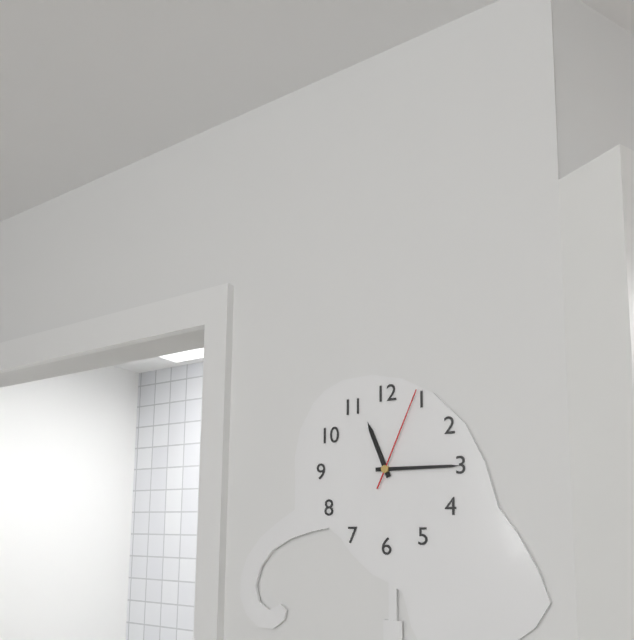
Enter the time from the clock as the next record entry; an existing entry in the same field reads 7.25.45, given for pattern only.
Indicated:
11.15.04
